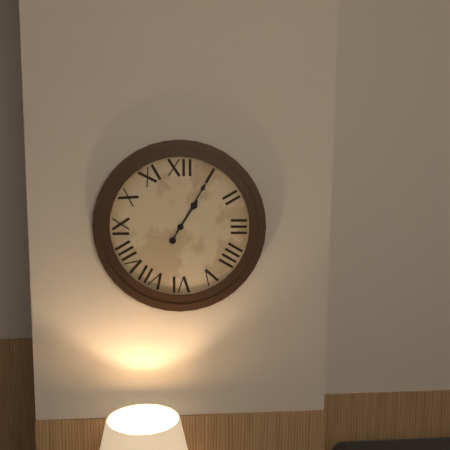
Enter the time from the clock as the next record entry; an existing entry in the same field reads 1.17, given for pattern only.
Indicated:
1.05
